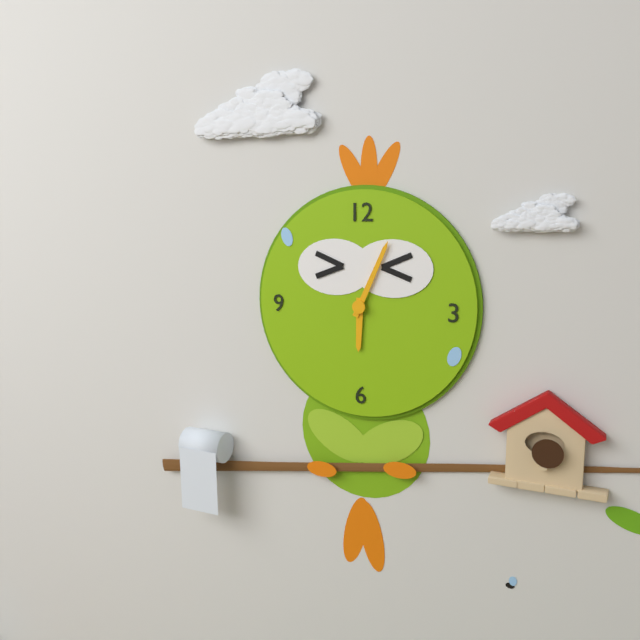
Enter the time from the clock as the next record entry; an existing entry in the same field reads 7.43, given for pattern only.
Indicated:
6.04
